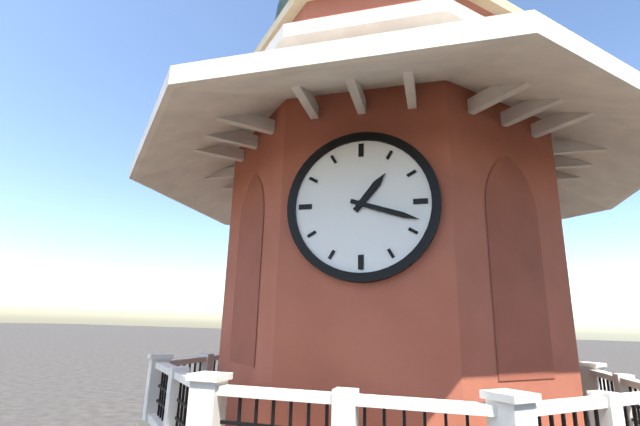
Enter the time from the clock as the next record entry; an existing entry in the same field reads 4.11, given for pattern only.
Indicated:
1.18
